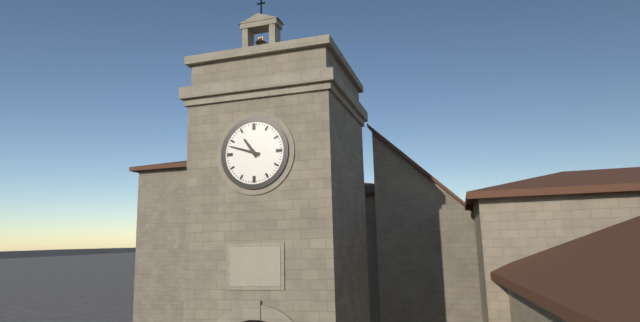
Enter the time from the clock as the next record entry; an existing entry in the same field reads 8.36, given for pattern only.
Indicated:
10.48
